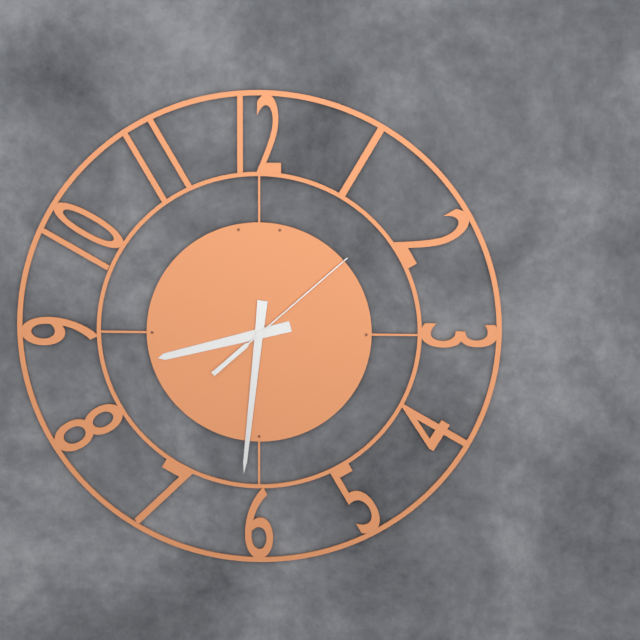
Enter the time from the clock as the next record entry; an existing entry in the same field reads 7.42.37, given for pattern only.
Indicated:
8.31.08
